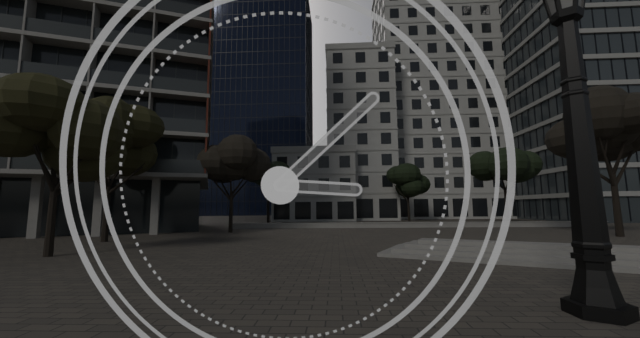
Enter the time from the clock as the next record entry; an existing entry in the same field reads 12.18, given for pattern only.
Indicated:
3.08
